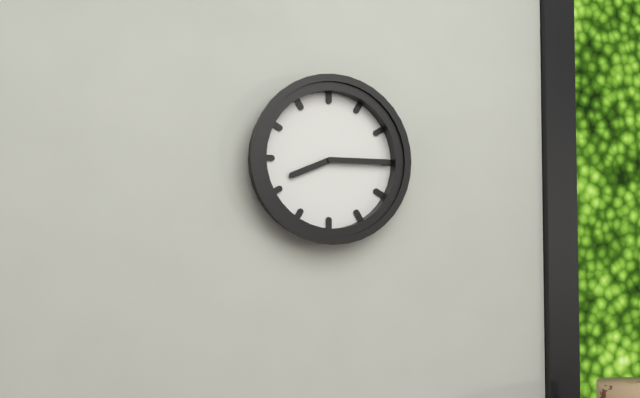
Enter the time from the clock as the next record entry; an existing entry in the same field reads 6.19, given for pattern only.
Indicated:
8.15
